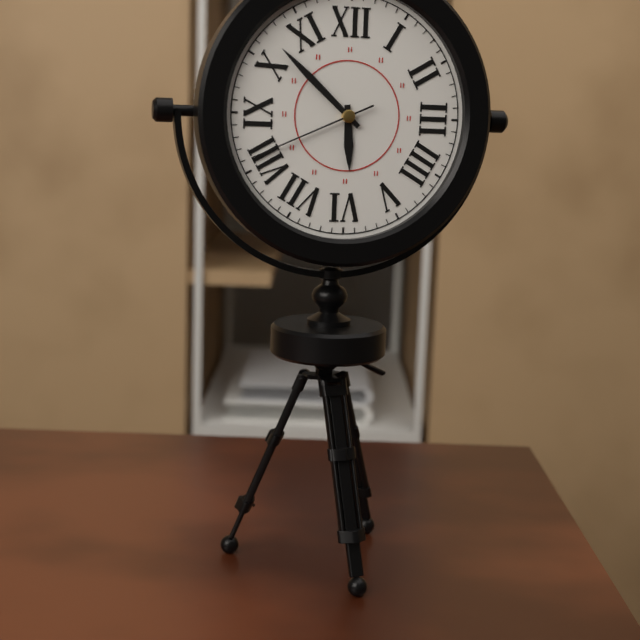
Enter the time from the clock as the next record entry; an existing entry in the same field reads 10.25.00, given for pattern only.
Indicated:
5.52.41
